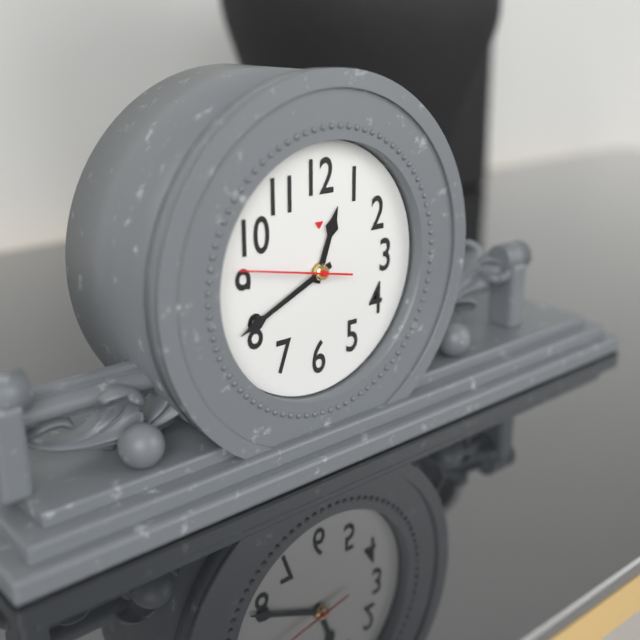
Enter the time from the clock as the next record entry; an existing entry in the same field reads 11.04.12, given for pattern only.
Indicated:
12.41.47
